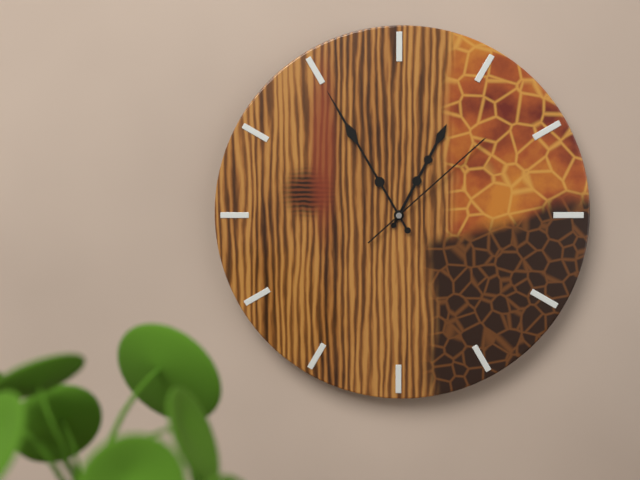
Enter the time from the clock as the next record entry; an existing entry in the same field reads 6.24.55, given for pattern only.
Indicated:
12.55.08
